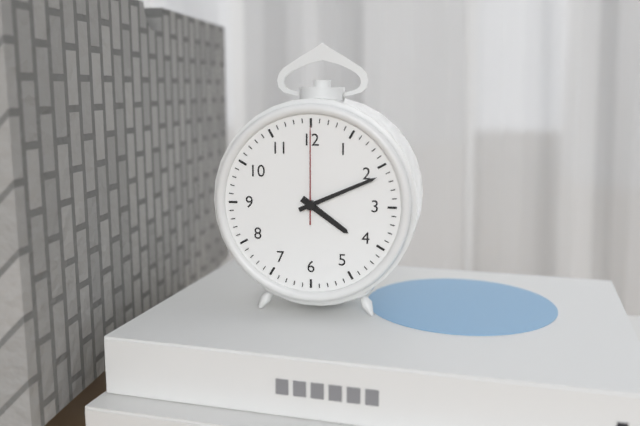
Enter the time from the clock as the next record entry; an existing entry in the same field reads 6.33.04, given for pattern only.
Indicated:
4.11.00
